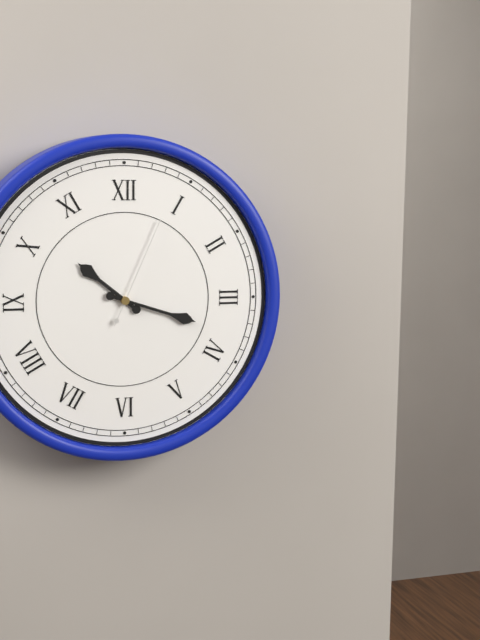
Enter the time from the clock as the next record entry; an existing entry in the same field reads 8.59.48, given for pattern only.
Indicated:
10.18.04
